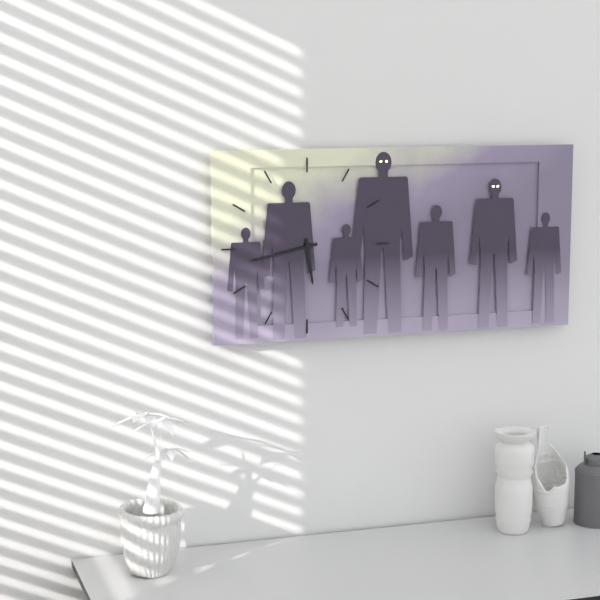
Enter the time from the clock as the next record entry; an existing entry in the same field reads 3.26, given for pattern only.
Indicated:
5.43
